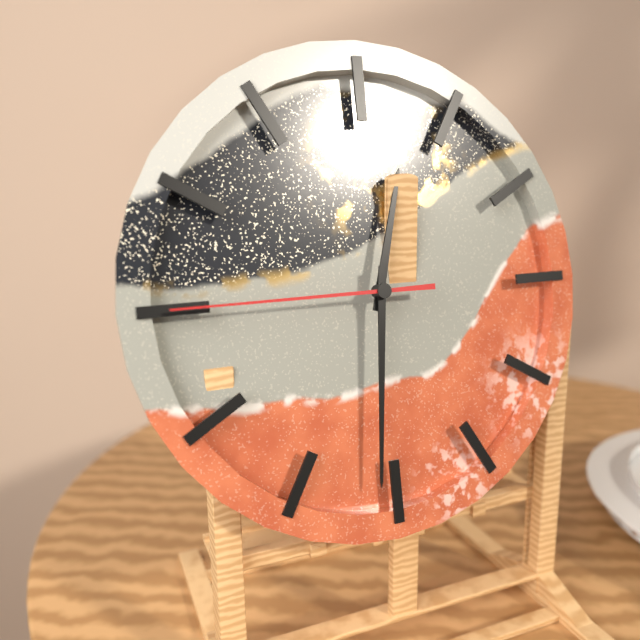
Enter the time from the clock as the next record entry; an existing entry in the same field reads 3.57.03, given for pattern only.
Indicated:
12.31.45
